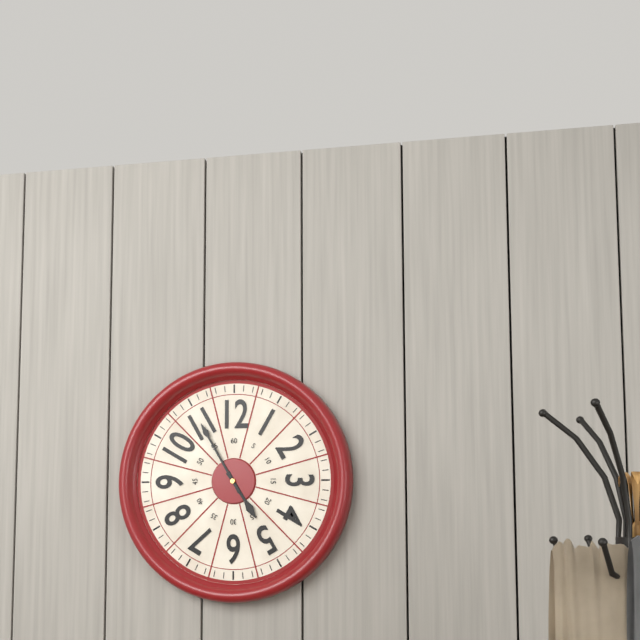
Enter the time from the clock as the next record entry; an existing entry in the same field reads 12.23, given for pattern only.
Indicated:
4.55
